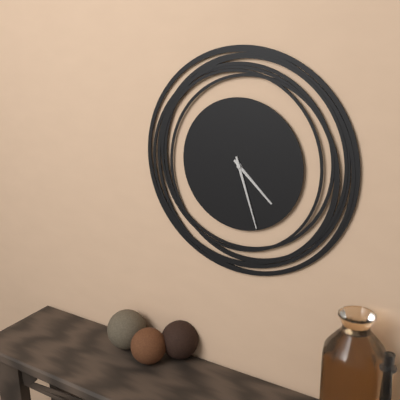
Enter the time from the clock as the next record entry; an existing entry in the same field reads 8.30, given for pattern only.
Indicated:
4.27
